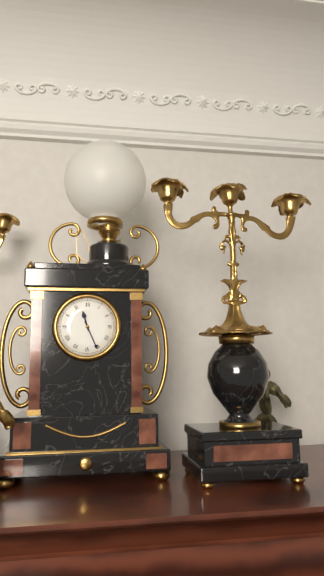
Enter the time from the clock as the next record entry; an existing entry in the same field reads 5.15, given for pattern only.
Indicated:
11.26
